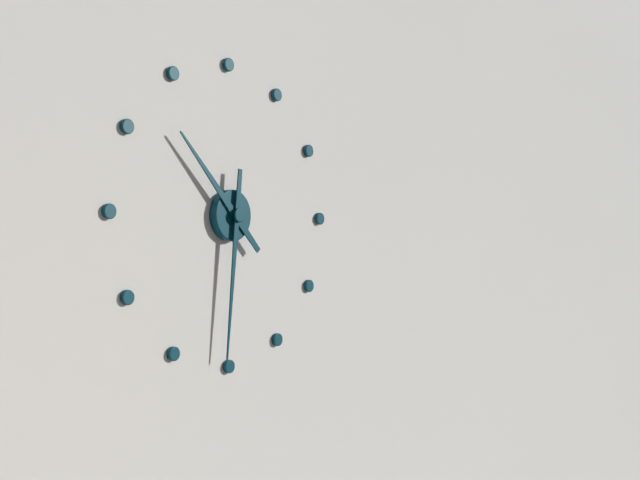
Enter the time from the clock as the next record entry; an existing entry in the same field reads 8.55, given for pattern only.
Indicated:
10.31
